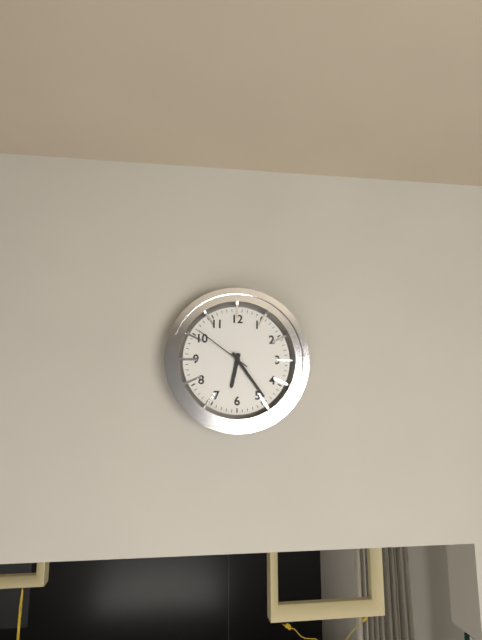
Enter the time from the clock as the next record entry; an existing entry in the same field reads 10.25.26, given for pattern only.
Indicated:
6.24.51
